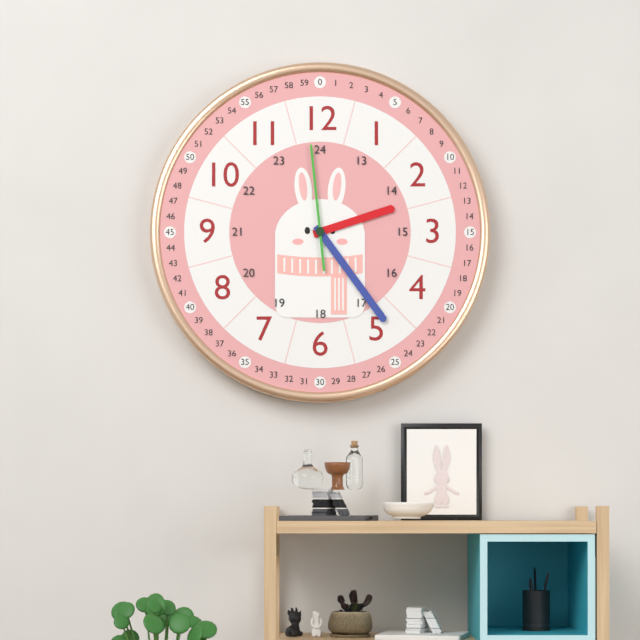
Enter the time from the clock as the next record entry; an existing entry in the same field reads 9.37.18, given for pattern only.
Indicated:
2.24.59
